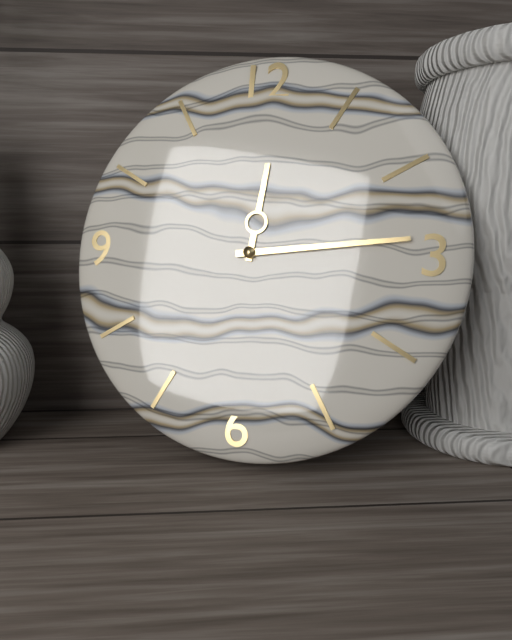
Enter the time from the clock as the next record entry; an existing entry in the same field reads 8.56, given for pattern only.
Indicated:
12.14
